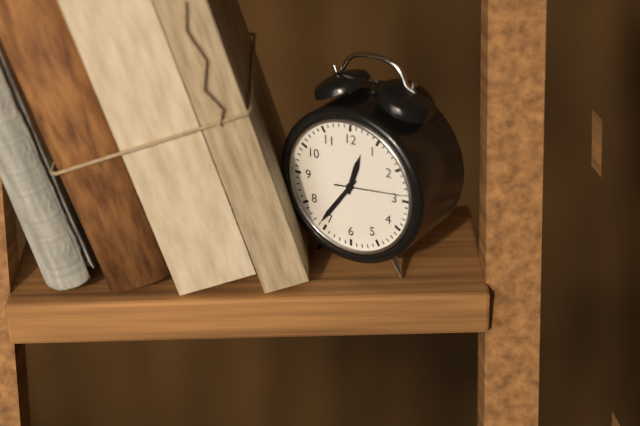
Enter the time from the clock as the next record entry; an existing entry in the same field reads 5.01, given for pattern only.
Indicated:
12.36
